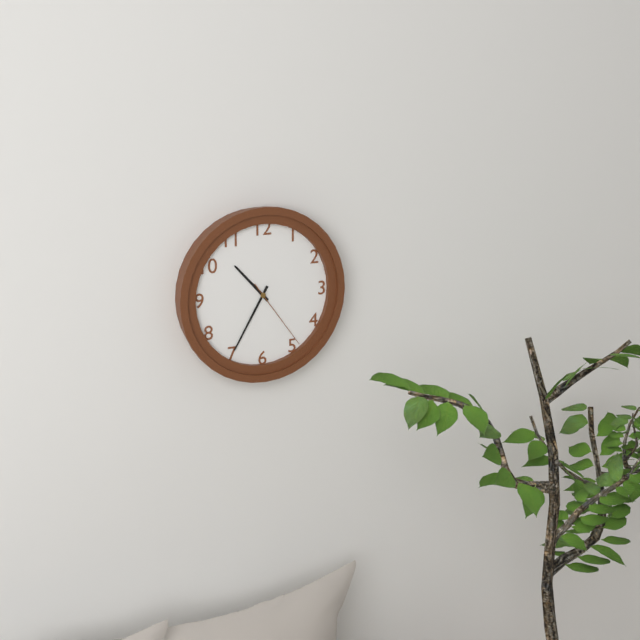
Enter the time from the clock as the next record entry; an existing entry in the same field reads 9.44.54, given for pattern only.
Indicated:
10.35.24
